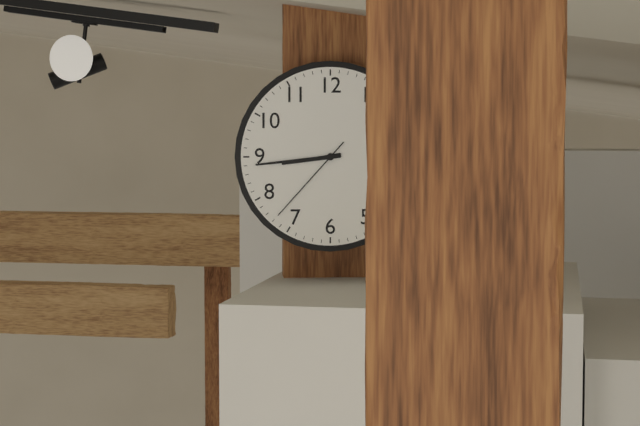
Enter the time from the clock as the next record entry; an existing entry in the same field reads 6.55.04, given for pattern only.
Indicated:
8.44.37
